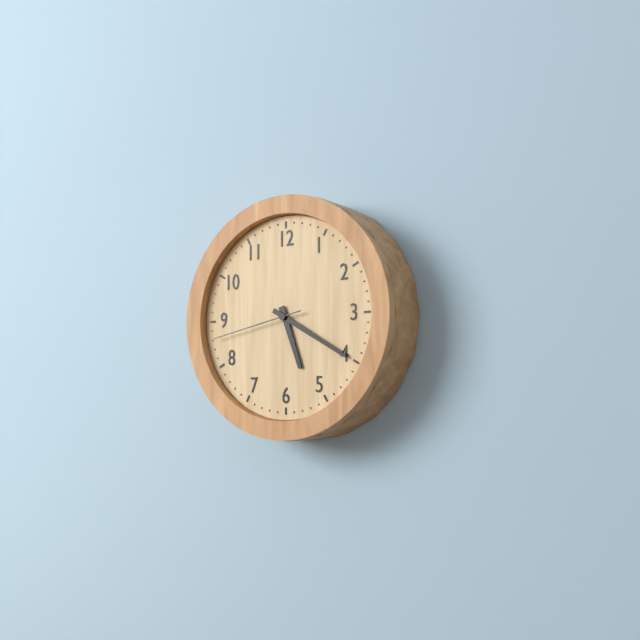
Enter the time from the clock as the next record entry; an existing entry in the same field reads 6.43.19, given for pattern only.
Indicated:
5.20.43
